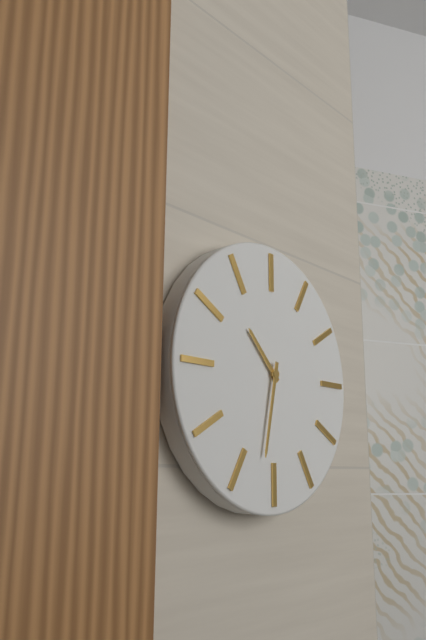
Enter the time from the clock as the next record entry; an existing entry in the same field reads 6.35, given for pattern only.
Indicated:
10.32
